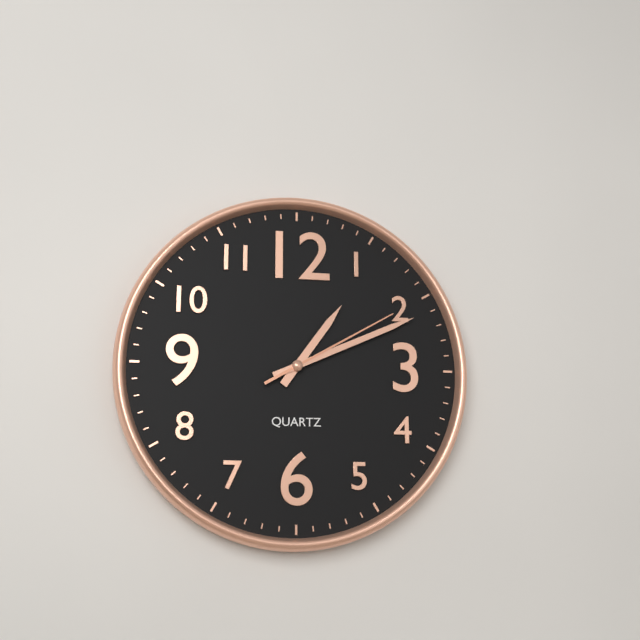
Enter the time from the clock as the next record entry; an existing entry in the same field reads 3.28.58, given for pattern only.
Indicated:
1.11.10
